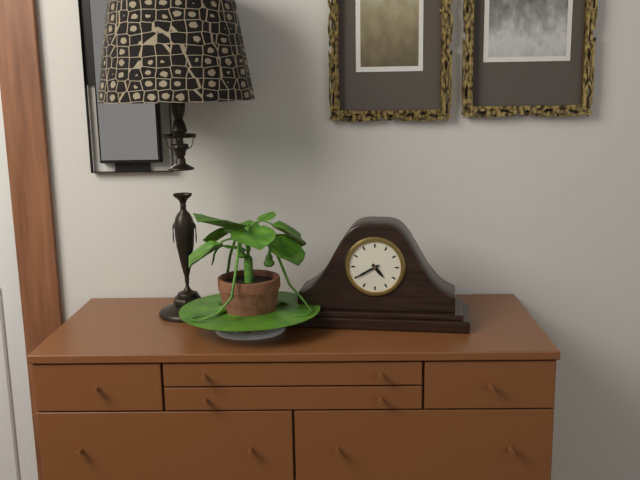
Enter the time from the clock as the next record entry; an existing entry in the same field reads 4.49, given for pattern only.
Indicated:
4.40
